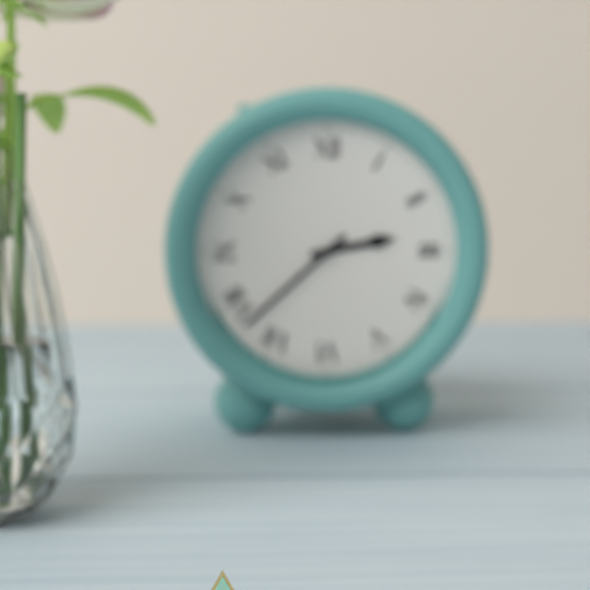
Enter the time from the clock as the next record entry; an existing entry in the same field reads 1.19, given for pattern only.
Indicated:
2.38
